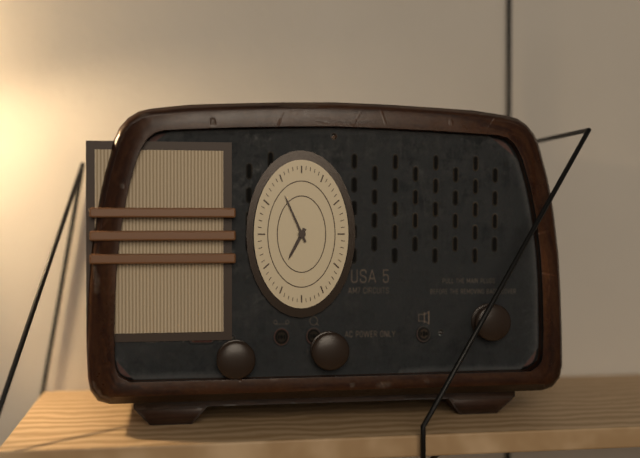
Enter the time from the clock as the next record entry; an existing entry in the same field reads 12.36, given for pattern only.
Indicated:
6.56
